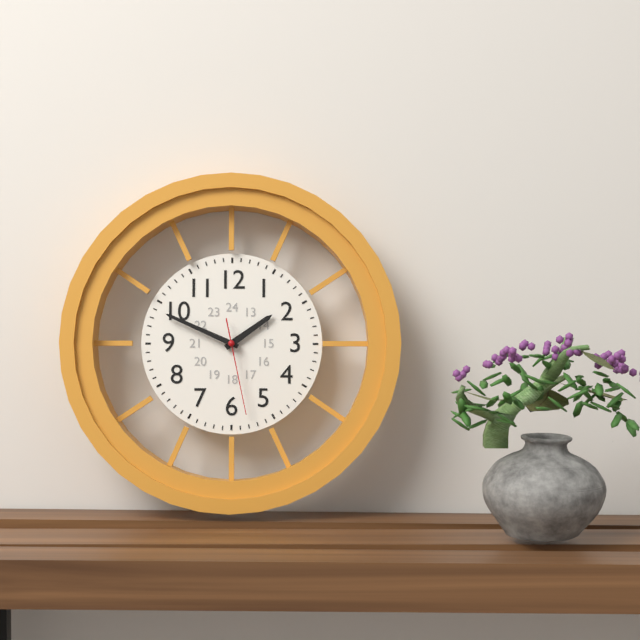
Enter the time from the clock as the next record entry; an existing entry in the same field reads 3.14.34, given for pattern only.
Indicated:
1.49.28
